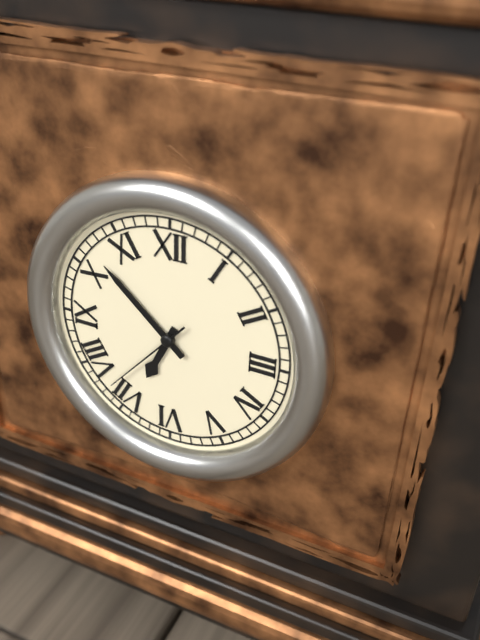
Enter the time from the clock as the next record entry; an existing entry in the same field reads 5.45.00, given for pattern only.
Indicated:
6.52.37
